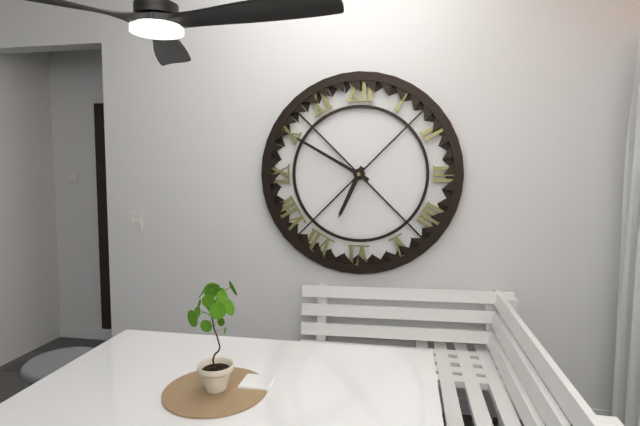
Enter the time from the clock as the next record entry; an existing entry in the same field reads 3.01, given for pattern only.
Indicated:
6.50
